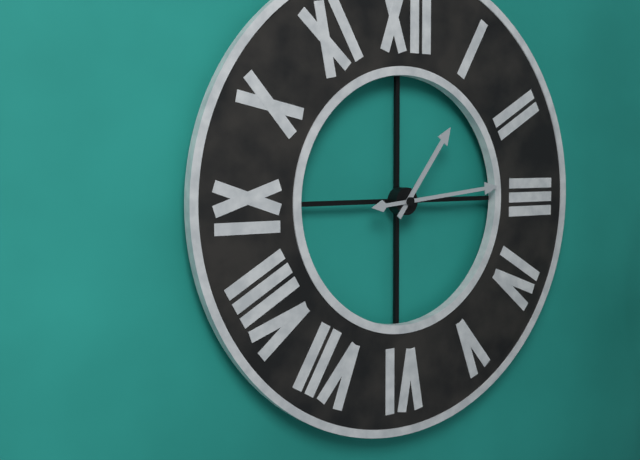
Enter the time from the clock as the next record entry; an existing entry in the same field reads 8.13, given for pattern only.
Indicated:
1.14
